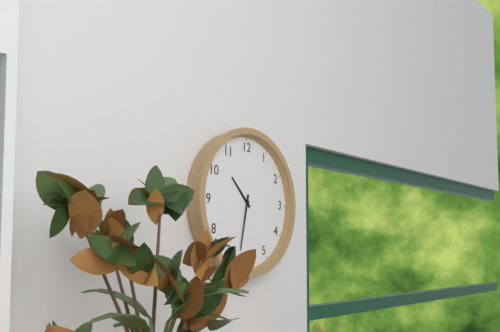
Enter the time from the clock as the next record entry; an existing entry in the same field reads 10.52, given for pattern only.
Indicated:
10.32
